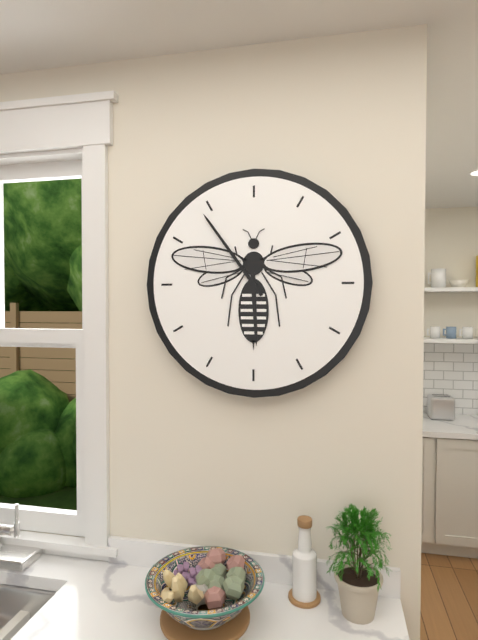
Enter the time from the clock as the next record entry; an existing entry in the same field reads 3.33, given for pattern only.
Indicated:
5.54
